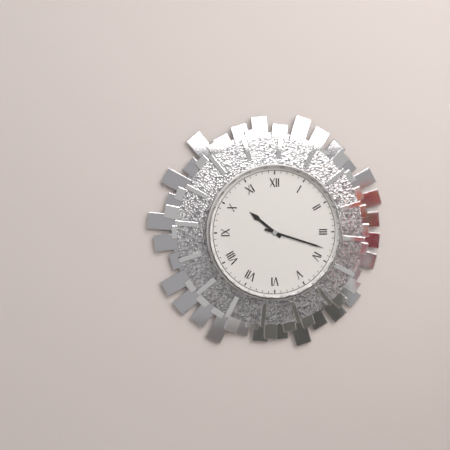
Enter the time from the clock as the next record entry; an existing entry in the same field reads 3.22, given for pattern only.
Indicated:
10.18
